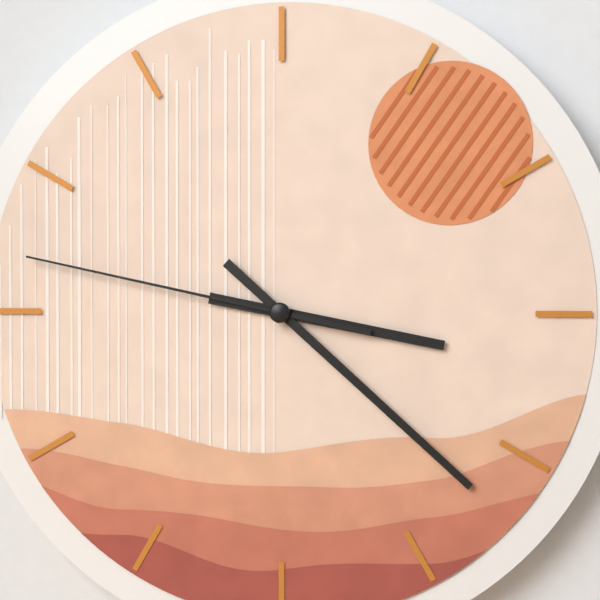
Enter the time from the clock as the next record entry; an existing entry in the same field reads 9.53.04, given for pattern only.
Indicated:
3.22.47
